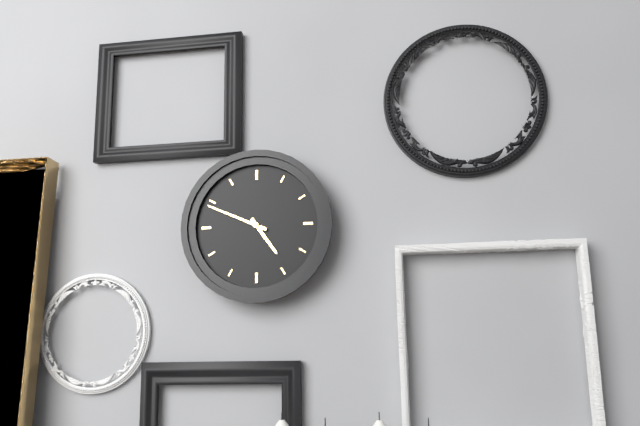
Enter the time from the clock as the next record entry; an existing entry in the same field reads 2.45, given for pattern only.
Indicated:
4.49
